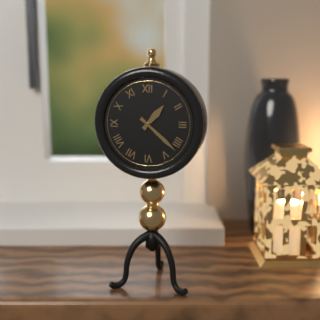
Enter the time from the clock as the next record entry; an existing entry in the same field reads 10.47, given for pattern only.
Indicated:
1.22
